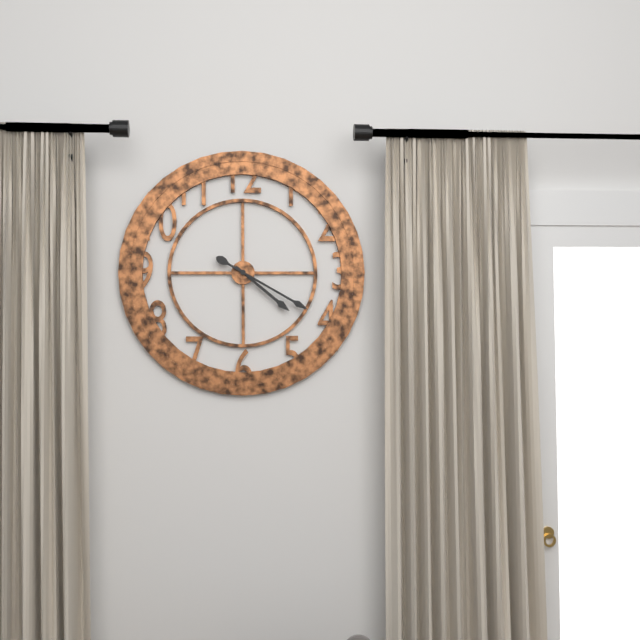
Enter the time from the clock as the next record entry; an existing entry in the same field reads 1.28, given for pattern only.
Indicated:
4.20
